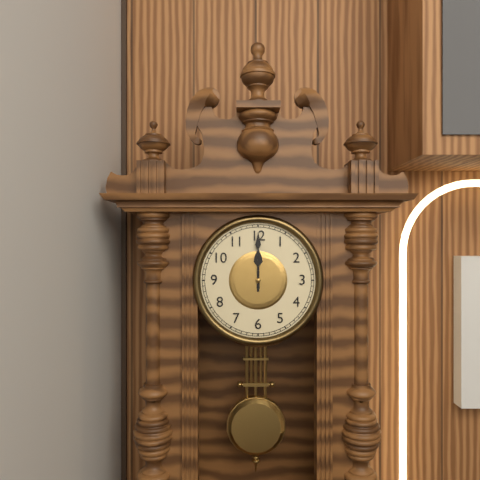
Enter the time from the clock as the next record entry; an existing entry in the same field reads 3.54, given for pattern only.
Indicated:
12.00
